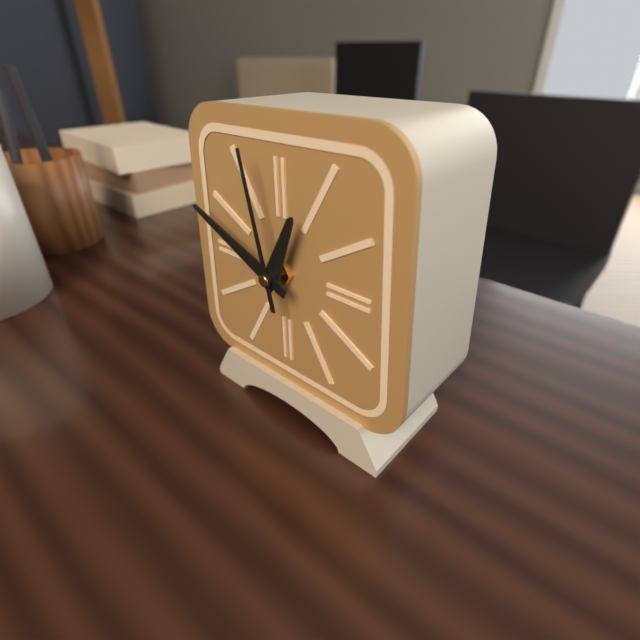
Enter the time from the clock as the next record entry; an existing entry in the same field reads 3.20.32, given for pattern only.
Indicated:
12.49.58
